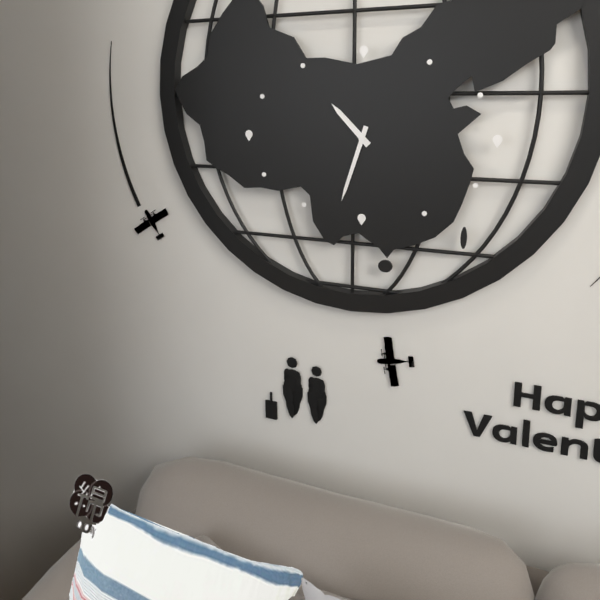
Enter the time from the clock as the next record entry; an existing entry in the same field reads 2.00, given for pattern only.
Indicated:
10.33
